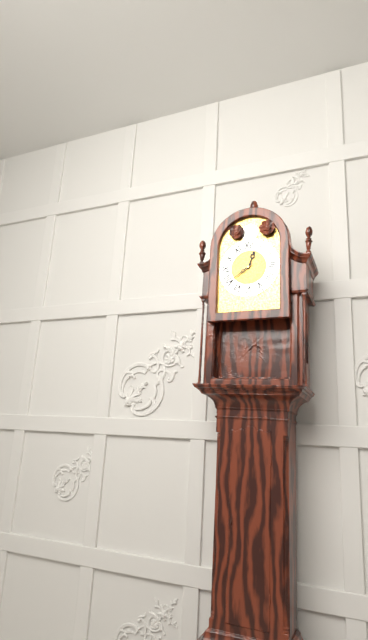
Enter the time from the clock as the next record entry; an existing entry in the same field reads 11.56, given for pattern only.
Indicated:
12.39
